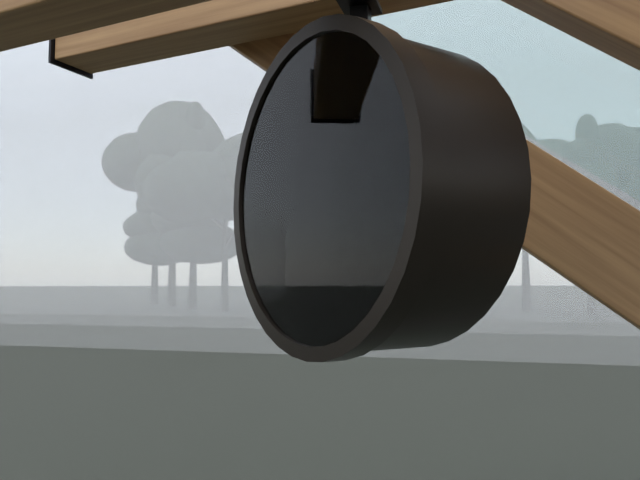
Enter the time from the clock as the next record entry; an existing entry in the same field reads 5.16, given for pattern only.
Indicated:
4.45
